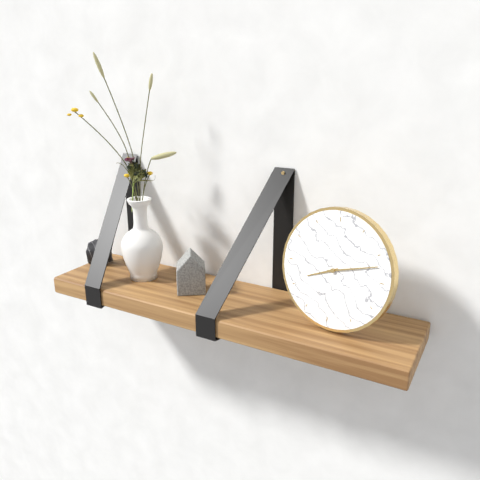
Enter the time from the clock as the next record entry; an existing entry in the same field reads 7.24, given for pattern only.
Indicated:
8.12
